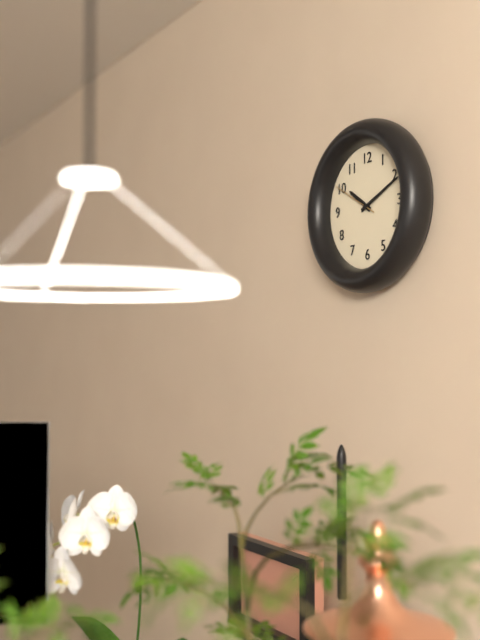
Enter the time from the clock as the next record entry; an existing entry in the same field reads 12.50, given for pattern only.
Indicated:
10.11
